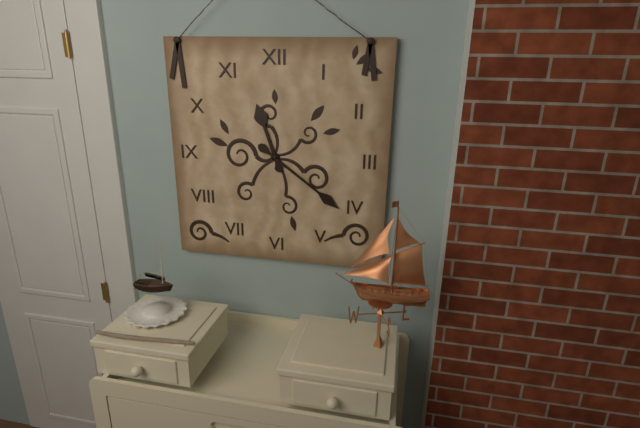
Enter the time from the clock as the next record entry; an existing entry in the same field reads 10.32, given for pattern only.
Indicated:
11.21
